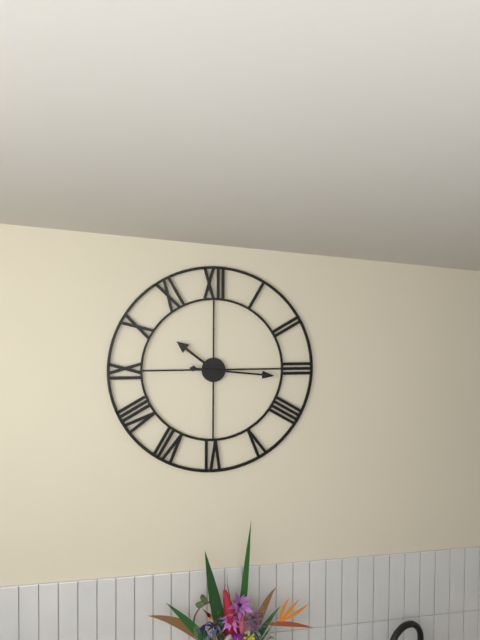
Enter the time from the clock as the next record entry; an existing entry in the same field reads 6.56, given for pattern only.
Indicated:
10.16
